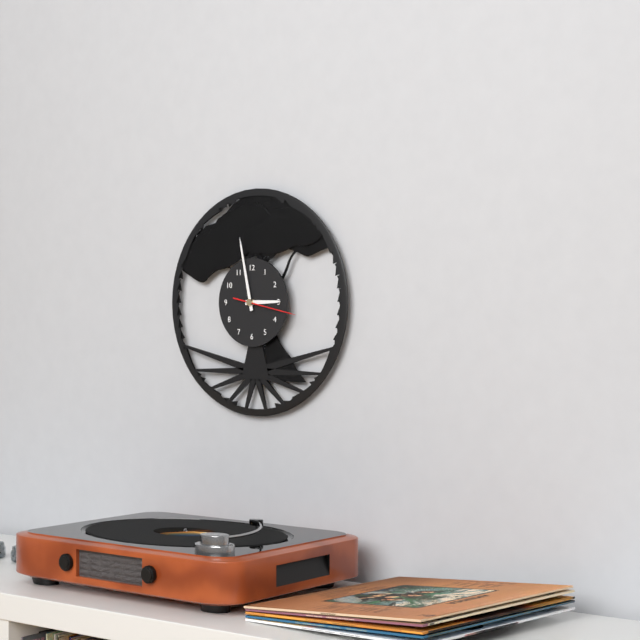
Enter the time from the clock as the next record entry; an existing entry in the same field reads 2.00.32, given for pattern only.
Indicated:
2.58.17
